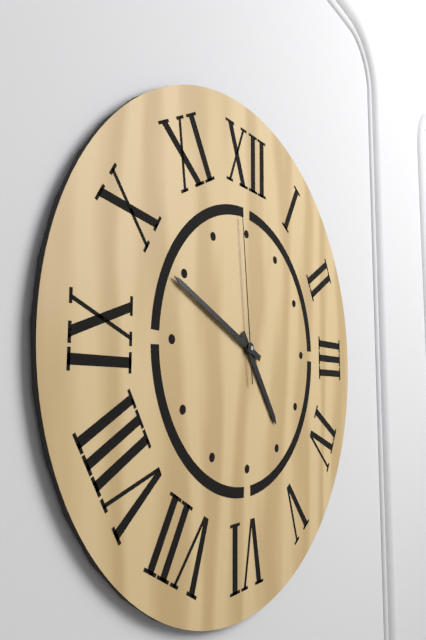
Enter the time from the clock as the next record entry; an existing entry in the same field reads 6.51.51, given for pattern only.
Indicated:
4.49.59
